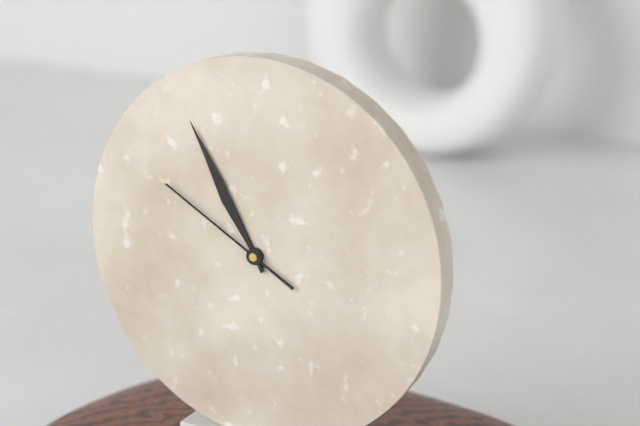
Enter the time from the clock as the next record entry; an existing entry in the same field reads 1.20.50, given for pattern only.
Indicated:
10.55.50
